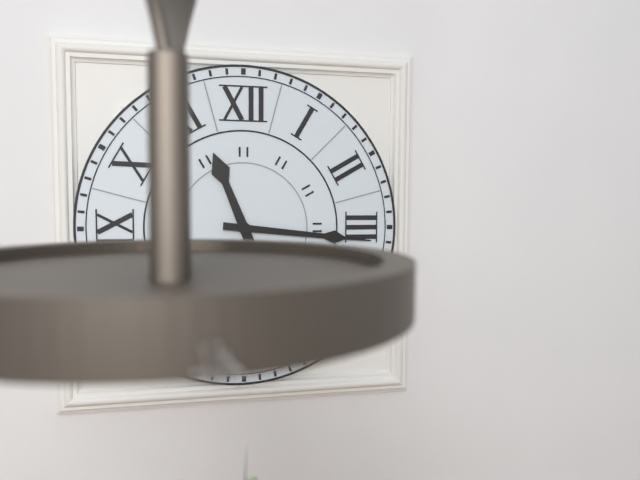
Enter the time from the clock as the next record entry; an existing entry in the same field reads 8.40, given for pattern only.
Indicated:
11.16
